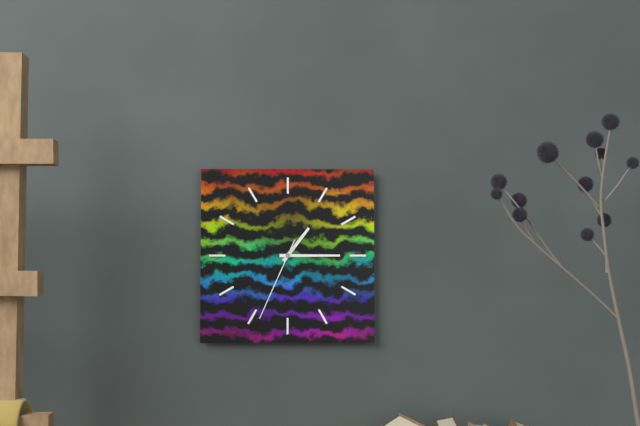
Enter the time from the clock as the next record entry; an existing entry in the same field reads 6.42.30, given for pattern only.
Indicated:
1.15.34
